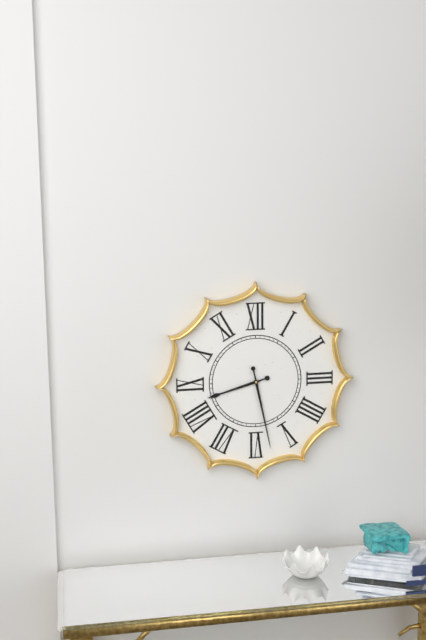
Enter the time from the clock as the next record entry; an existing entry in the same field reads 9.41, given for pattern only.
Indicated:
8.28
